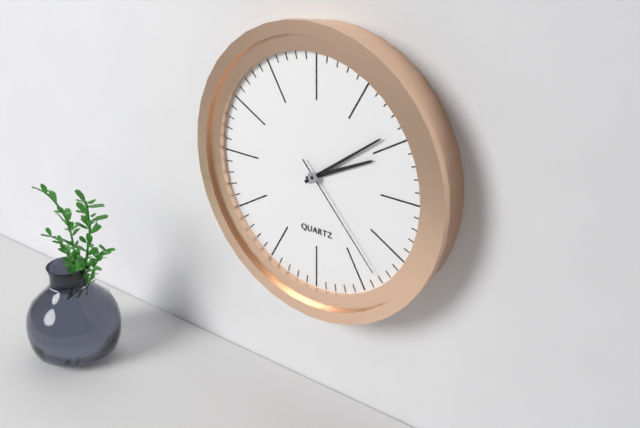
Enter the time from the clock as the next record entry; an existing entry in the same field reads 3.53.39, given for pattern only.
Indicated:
2.09.23
